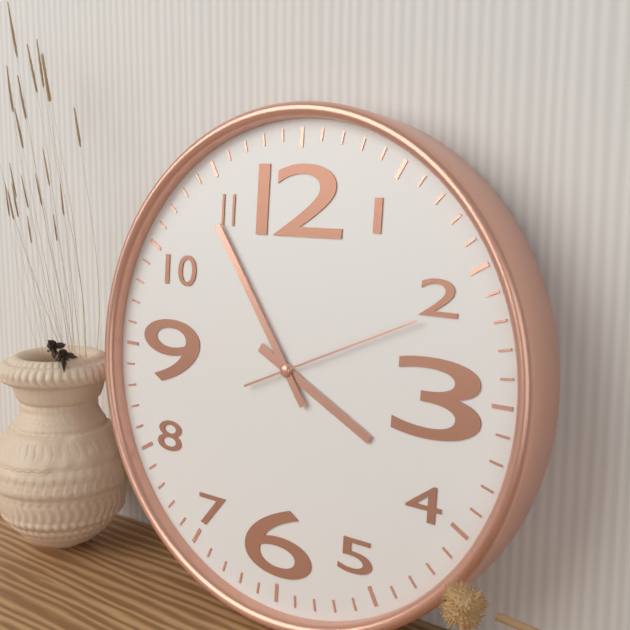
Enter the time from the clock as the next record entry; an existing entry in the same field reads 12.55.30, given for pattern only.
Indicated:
3.54.11
